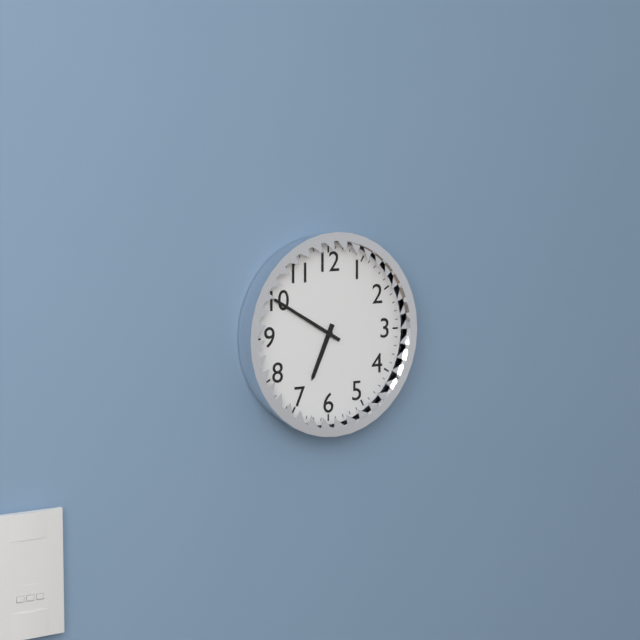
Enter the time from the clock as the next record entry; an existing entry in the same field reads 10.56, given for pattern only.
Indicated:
6.50
